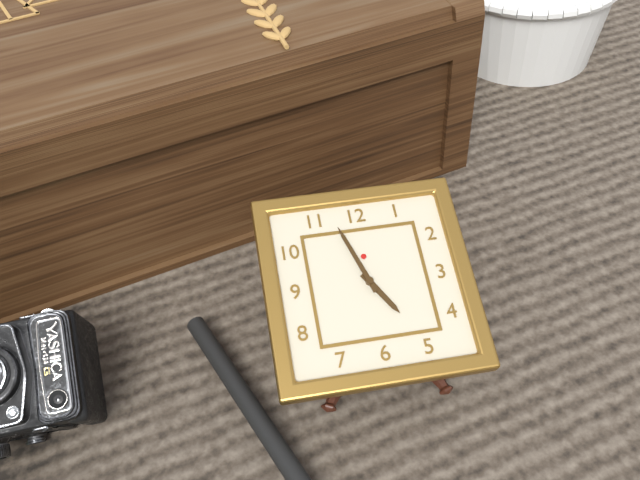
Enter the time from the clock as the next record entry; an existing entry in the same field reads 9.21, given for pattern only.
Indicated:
4.57
